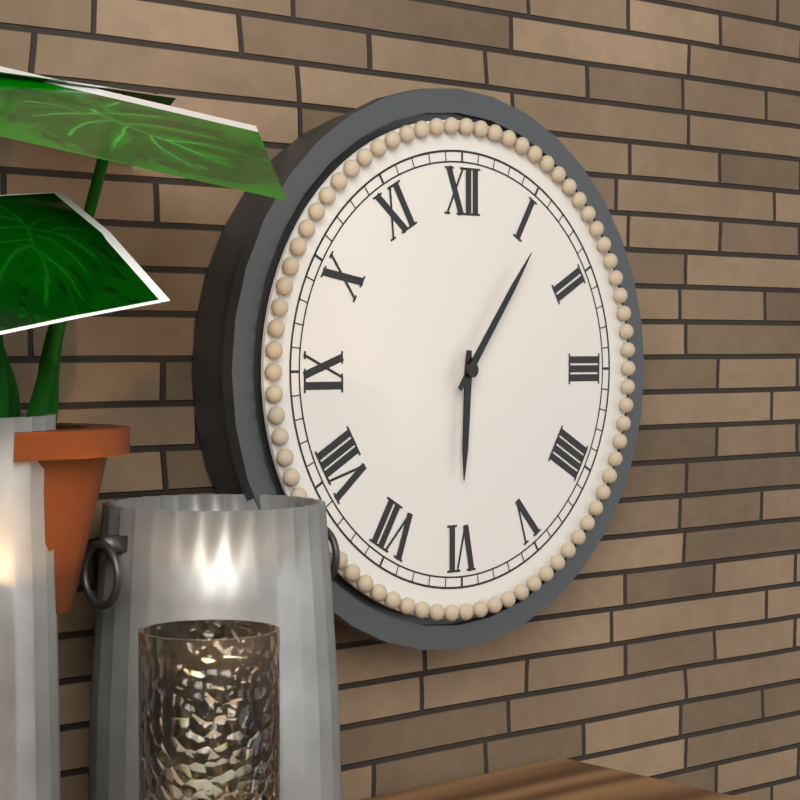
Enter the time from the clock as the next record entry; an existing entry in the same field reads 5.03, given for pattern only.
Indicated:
6.06
